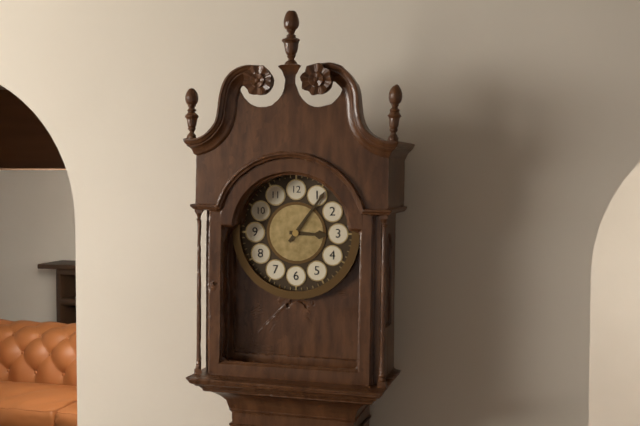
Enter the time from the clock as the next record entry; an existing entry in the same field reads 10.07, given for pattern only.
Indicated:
3.06
